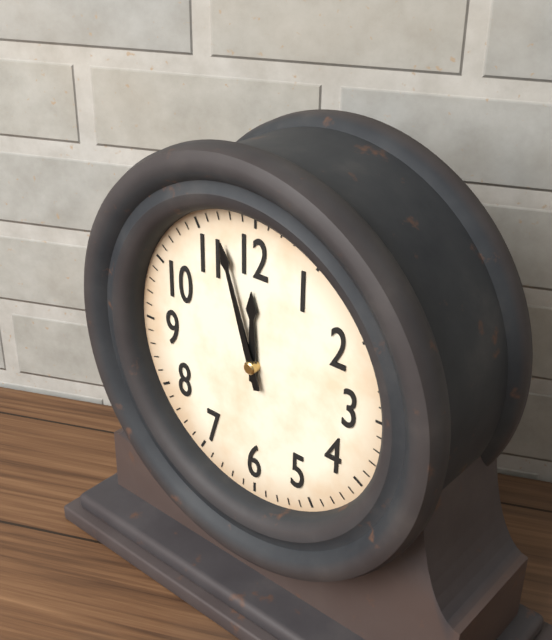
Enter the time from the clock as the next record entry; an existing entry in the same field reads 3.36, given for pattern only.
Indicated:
11.57
